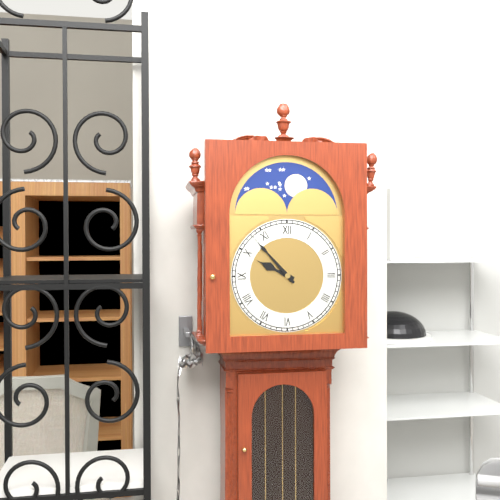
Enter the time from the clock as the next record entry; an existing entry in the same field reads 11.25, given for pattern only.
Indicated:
9.53
